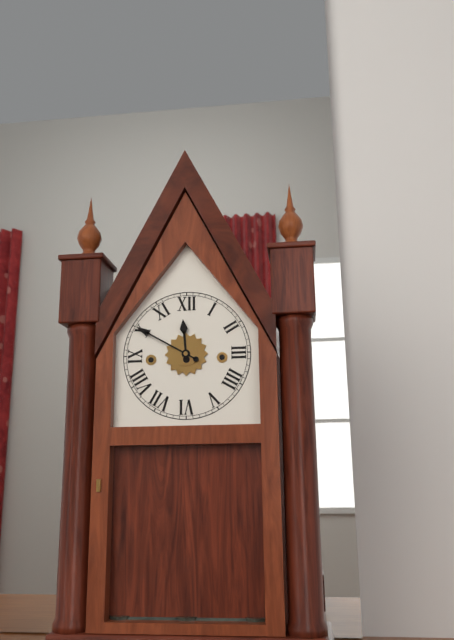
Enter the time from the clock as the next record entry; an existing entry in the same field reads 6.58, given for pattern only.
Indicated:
11.50
